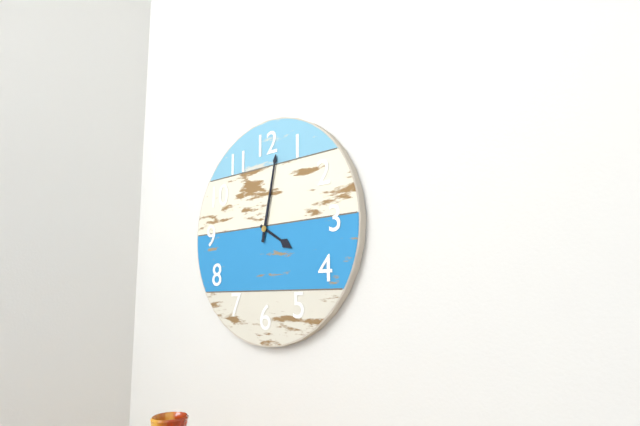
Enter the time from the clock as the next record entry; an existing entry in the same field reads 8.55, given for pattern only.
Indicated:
4.02
